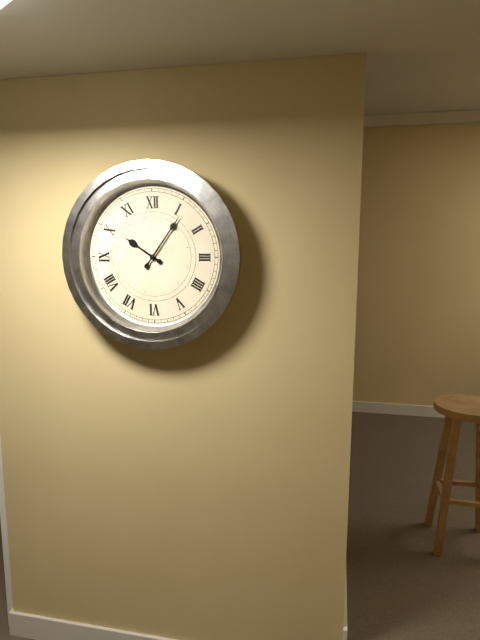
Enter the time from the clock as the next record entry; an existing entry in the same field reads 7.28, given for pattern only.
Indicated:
10.06
